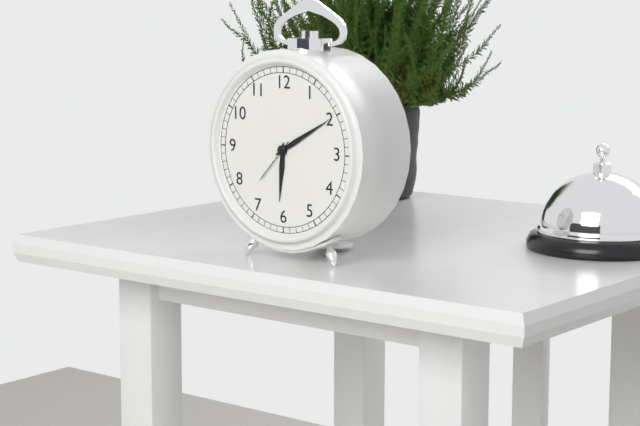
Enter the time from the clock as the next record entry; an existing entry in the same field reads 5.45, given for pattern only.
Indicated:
6.10
